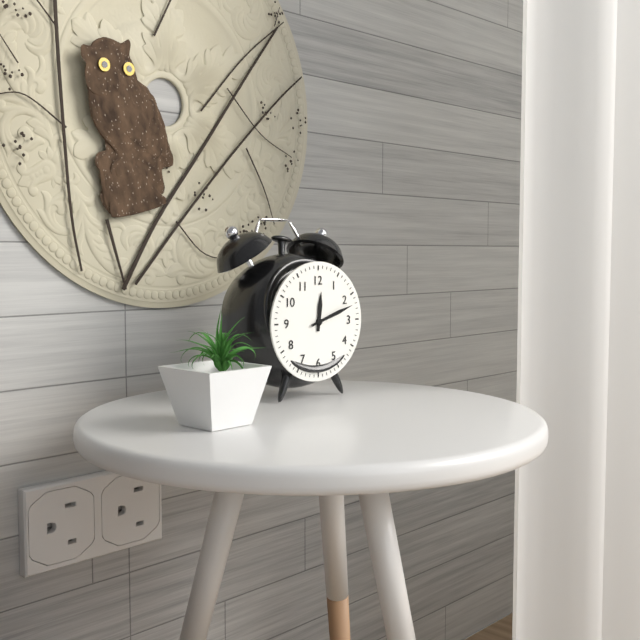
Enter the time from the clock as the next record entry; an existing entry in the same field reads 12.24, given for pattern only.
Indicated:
12.12
